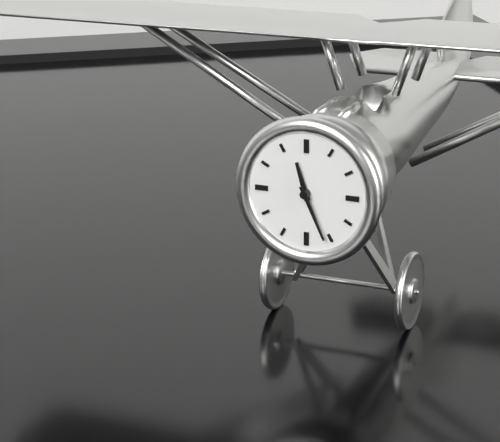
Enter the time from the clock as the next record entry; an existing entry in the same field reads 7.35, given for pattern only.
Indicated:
11.26
